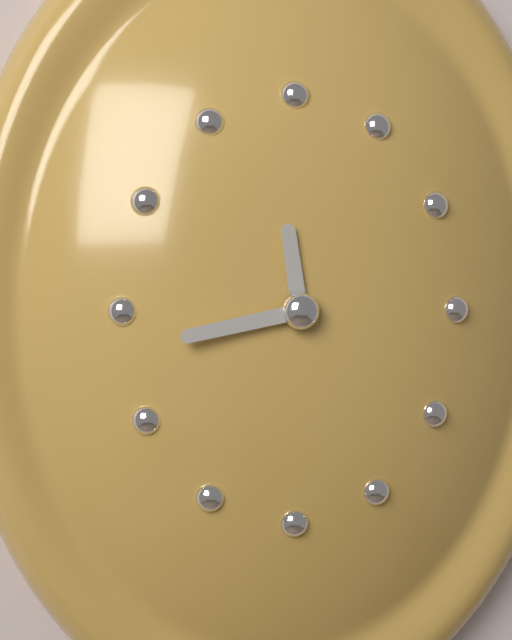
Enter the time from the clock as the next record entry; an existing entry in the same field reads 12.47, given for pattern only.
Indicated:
11.43
